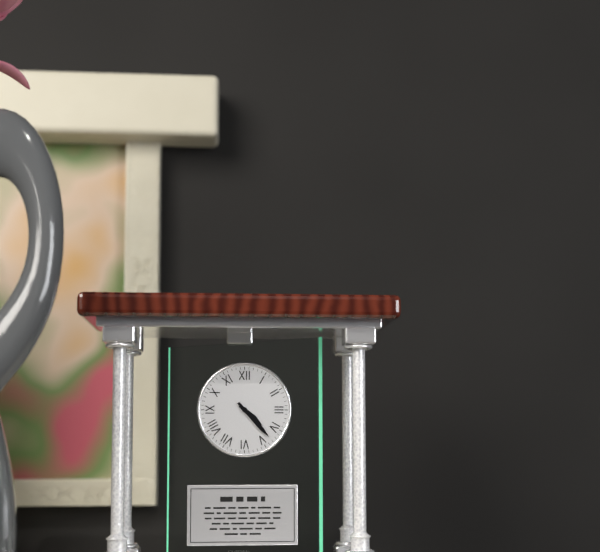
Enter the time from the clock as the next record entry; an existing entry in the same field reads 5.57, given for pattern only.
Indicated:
4.23
